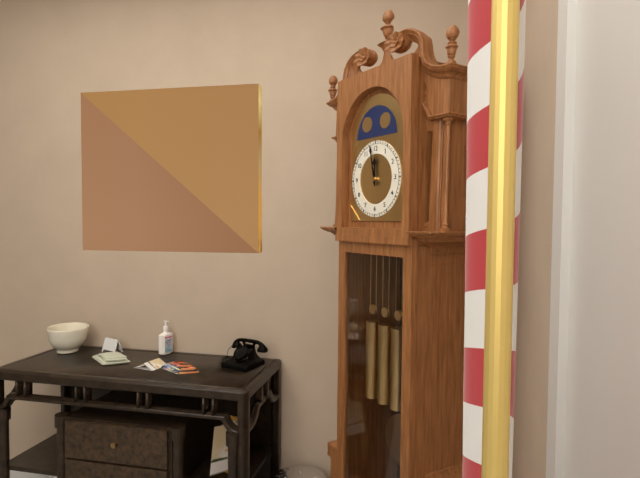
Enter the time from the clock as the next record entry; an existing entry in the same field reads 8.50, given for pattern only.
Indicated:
11.58
